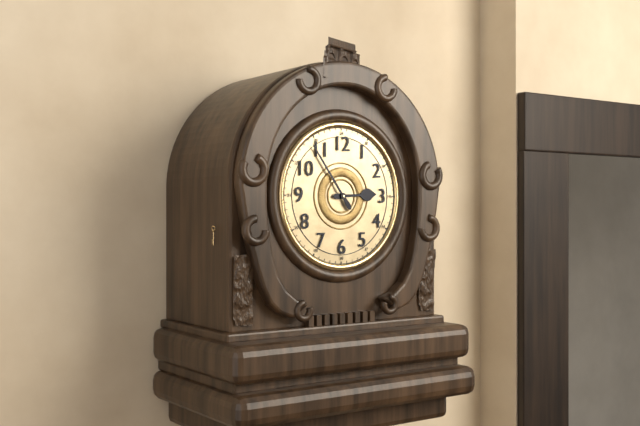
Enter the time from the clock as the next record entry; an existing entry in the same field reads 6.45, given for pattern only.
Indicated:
2.54
